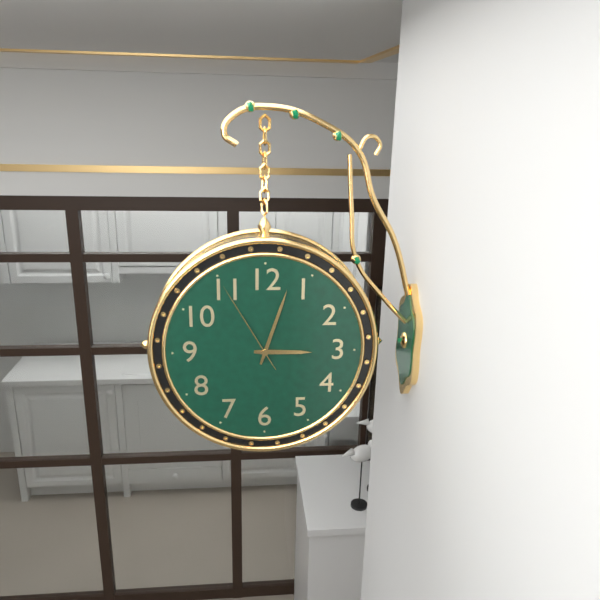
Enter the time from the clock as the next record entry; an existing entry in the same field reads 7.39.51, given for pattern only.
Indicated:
3.03.55
